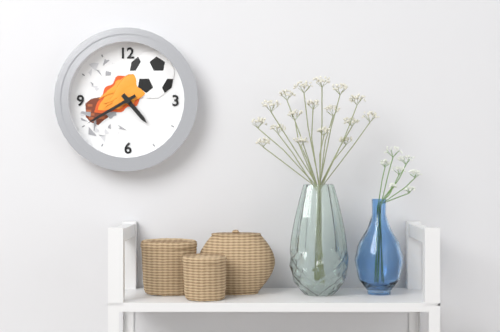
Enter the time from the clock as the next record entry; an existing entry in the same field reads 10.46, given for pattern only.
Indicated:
4.40
